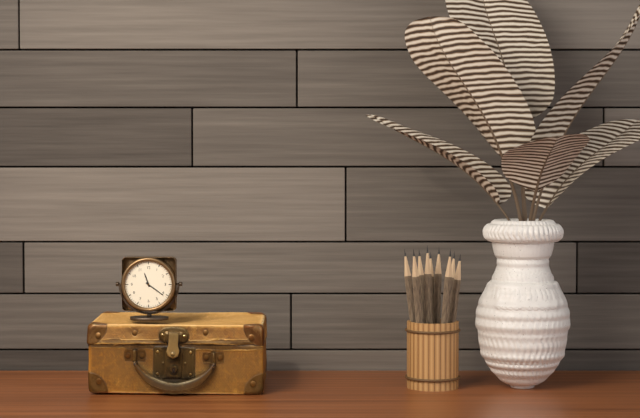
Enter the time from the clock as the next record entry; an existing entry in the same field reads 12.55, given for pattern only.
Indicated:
11.21
